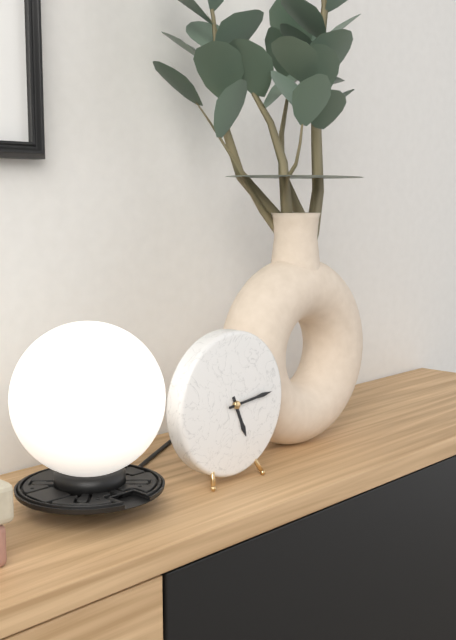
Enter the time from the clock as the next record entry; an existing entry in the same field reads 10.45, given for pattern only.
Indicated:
5.14
